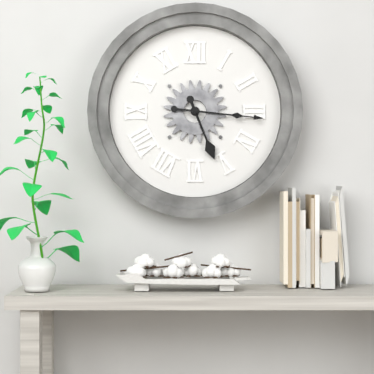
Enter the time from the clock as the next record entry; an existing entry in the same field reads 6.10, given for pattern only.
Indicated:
5.16
